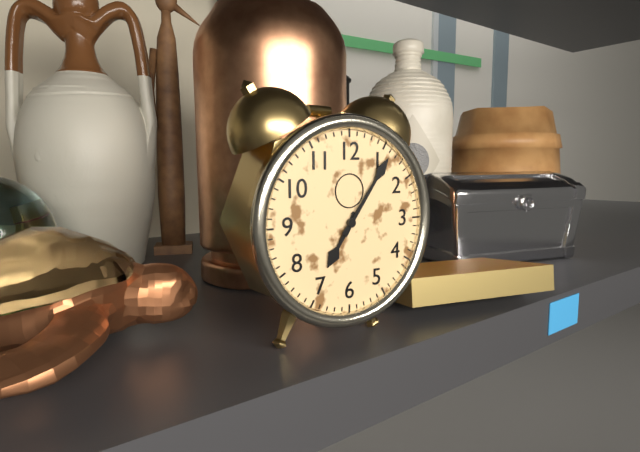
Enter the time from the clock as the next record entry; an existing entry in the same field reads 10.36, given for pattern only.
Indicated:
7.06
